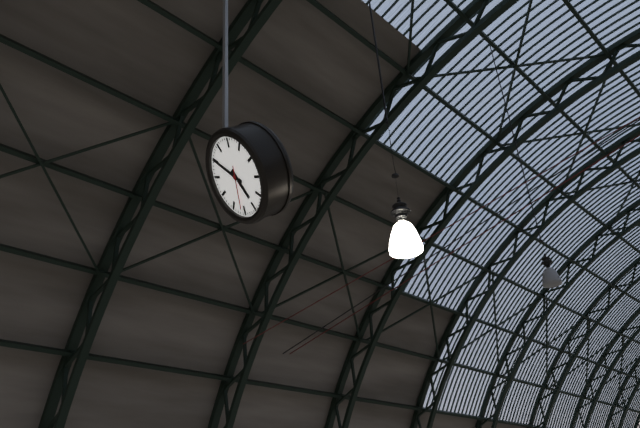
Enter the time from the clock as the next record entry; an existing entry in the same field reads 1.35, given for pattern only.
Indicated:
5.55
